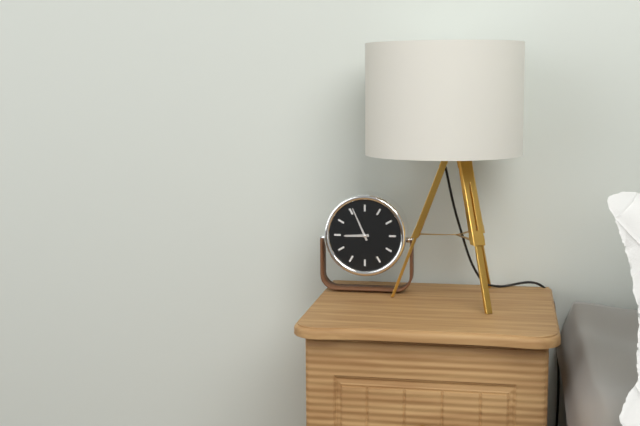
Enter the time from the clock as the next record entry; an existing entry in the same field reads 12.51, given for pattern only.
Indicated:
8.56
